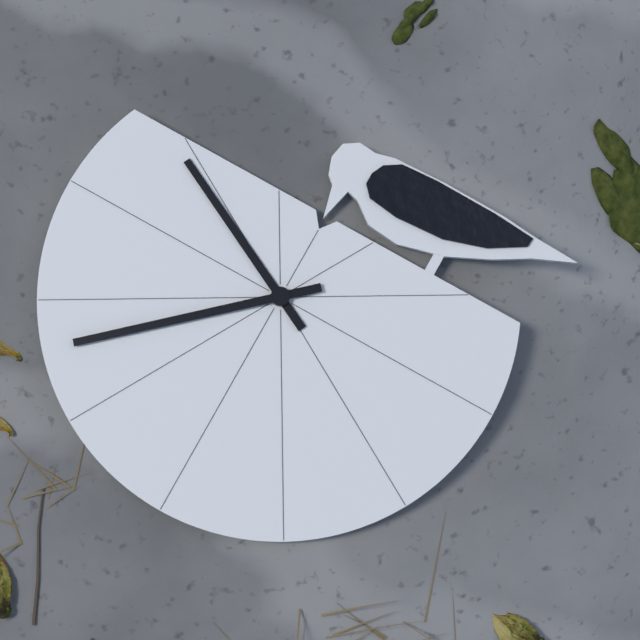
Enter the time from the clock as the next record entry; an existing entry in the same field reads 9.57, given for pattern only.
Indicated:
12.53
